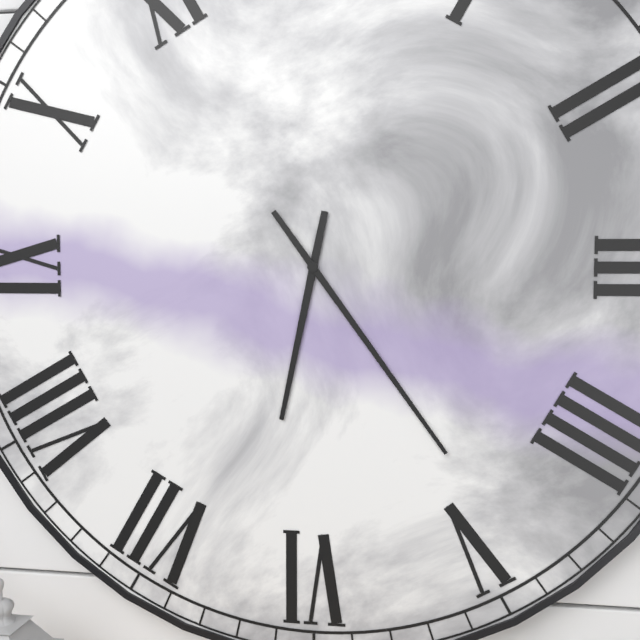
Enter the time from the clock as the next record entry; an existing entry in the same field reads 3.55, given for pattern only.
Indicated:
6.24
